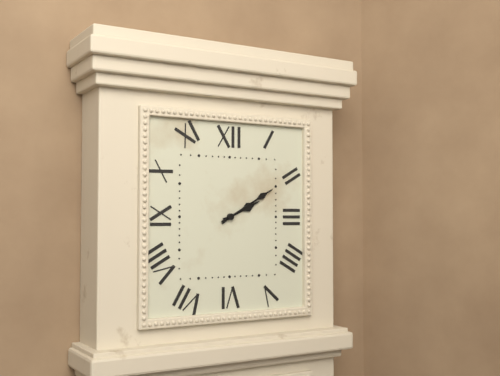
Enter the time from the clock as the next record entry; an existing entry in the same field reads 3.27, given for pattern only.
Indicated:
2.10
